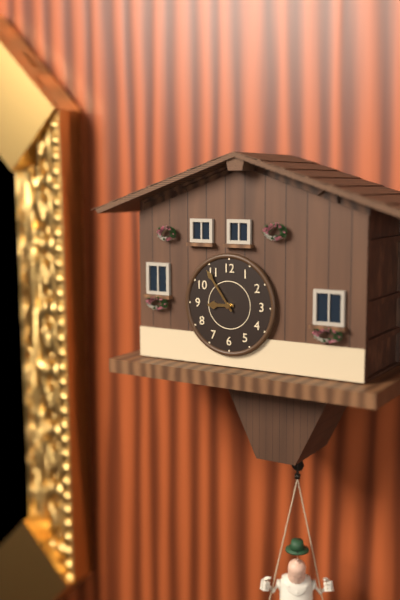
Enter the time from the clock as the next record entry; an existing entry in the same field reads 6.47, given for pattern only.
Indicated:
8.54
